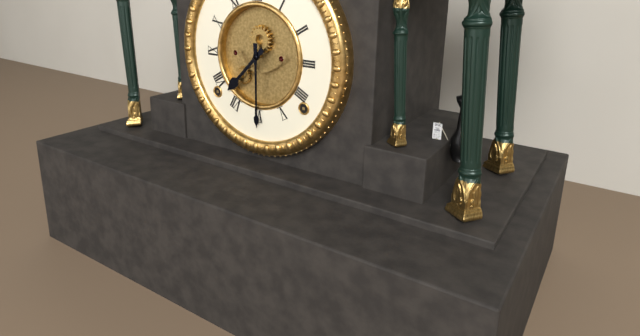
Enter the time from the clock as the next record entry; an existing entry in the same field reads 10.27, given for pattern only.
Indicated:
7.30
